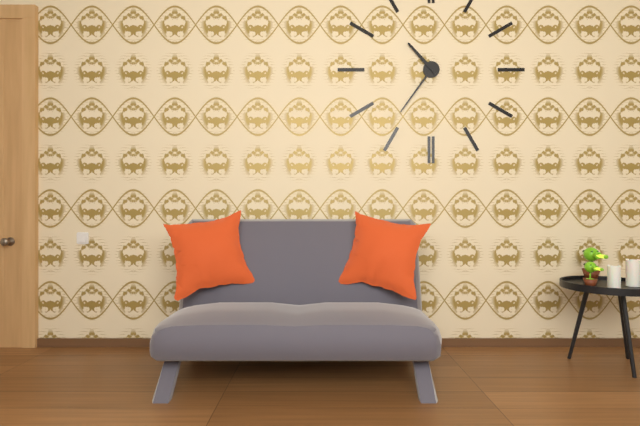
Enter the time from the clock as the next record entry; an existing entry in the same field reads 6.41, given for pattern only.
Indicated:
10.36
